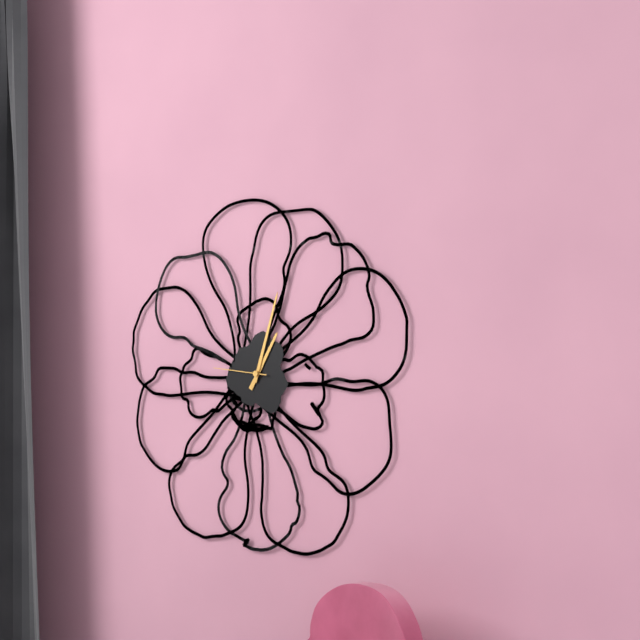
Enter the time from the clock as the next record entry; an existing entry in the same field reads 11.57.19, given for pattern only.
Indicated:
1.03.46
